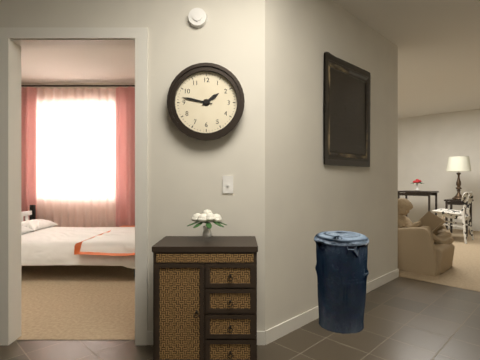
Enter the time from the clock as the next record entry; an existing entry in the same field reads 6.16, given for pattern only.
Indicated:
1.47
